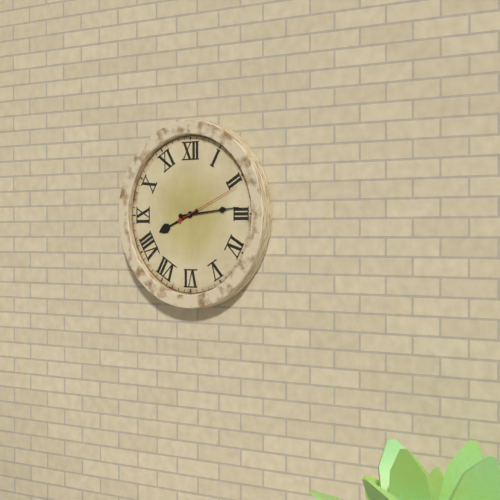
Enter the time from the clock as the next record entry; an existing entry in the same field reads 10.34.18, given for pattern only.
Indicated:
8.14.11
